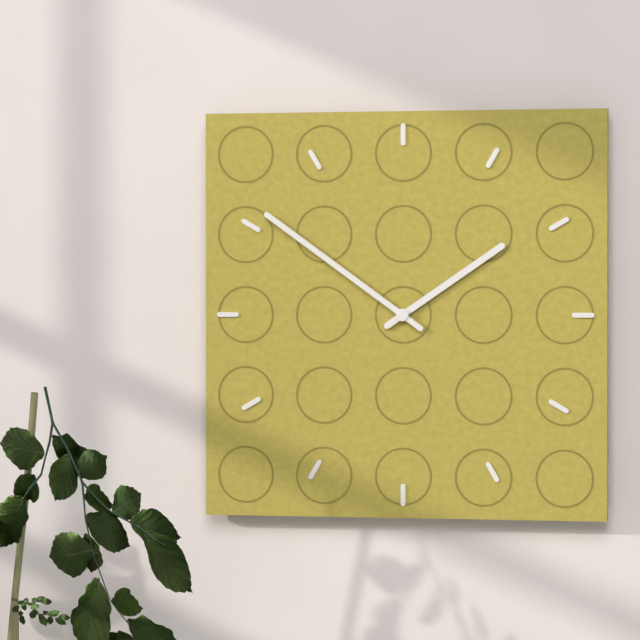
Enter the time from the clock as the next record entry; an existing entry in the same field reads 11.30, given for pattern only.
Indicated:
1.51
